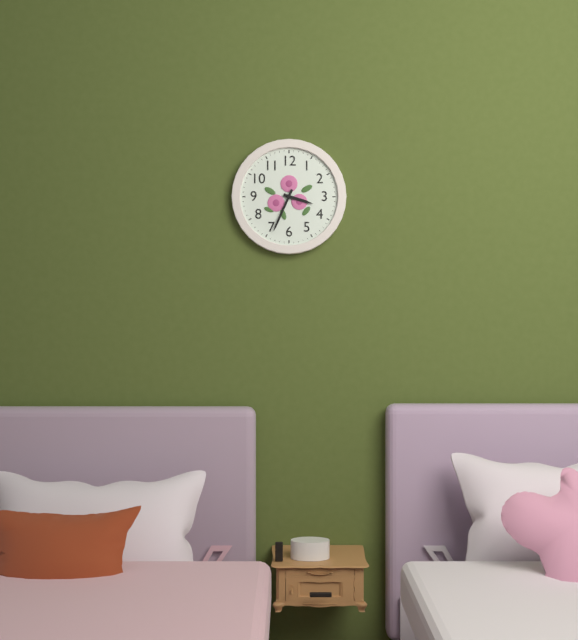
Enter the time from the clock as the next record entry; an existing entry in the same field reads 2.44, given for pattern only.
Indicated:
3.34
